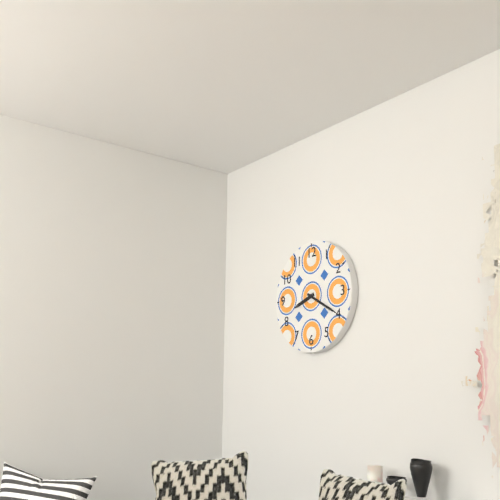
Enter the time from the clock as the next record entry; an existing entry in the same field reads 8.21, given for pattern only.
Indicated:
8.20
